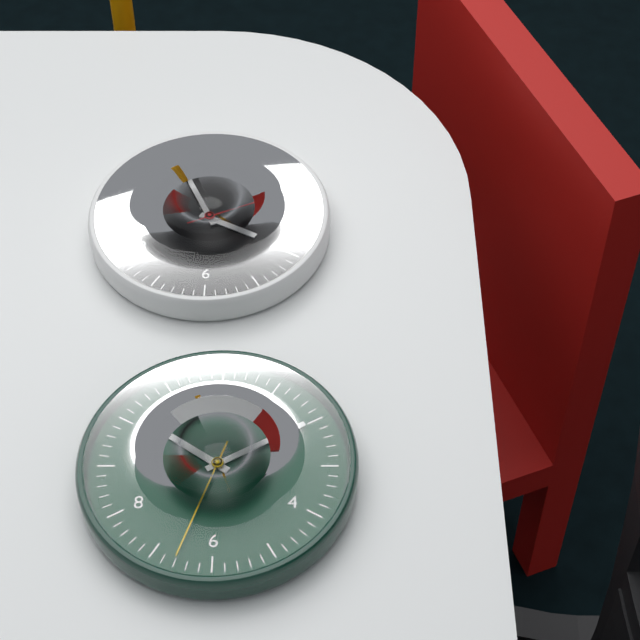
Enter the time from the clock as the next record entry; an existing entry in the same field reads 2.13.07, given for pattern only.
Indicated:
3.56.11
